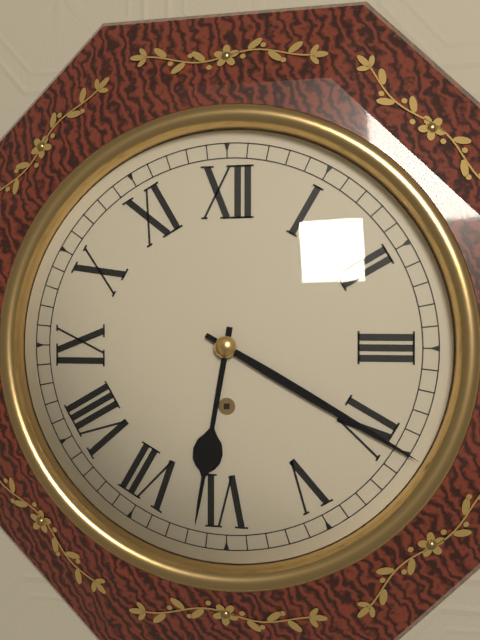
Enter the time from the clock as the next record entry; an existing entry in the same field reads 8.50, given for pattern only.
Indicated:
6.20
